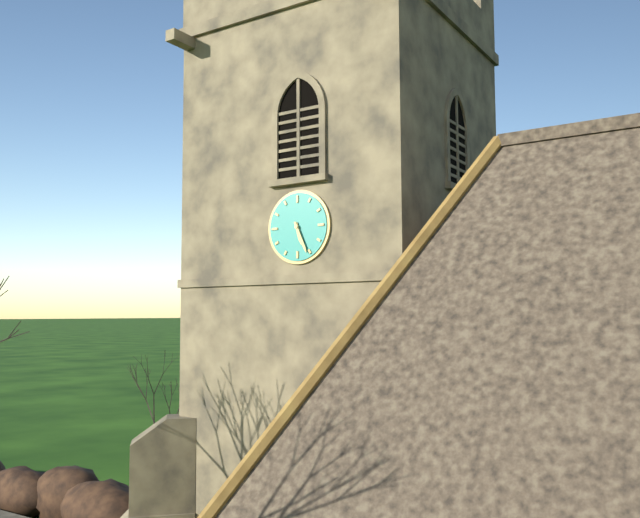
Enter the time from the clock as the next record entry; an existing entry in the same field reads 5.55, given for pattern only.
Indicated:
5.26
